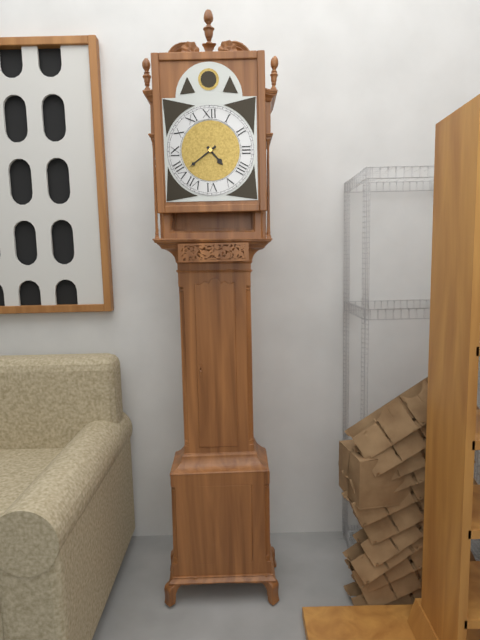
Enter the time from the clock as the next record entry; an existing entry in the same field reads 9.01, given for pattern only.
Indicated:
4.39
